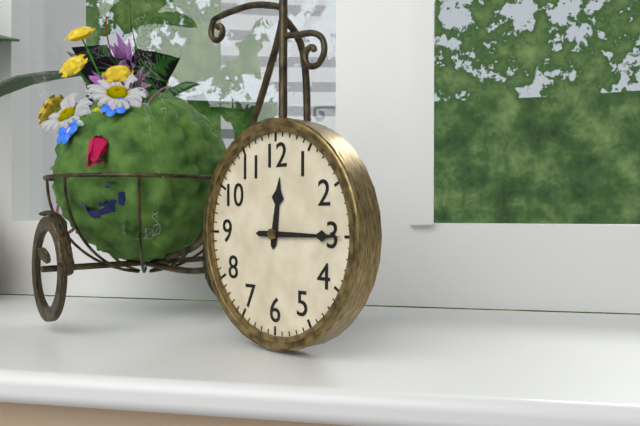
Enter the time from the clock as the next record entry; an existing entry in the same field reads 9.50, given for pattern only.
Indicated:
12.15
